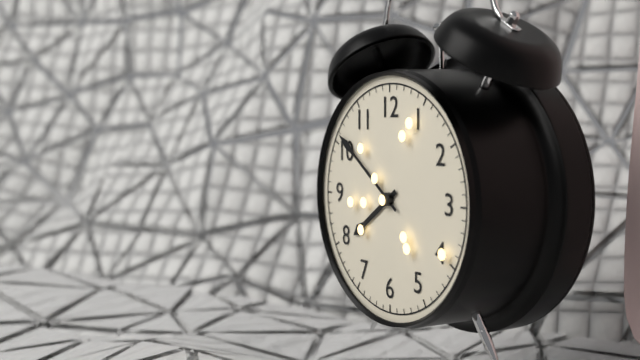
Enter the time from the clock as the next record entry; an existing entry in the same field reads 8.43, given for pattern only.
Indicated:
7.51
